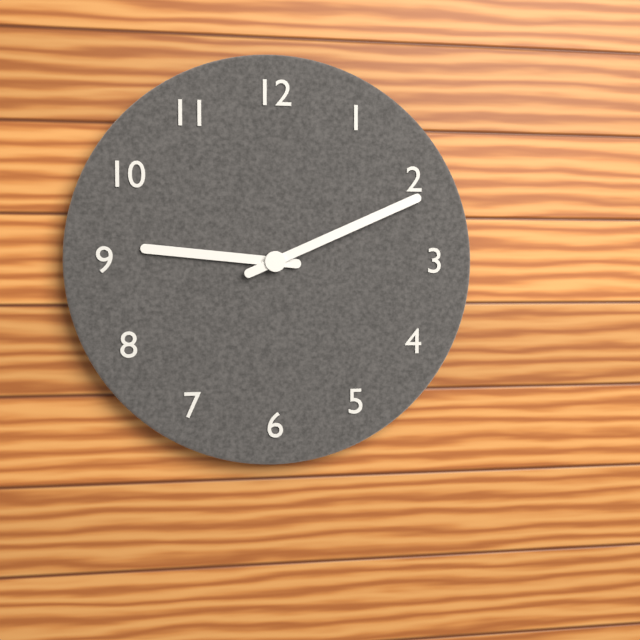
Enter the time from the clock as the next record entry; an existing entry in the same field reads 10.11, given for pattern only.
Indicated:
9.11
